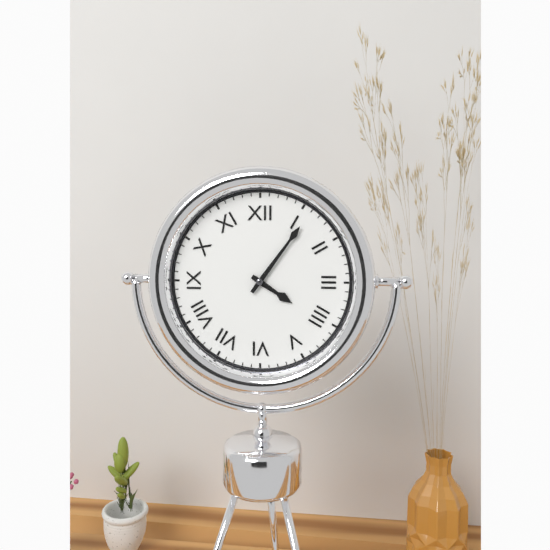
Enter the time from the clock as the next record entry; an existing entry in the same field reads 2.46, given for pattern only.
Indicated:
4.06
